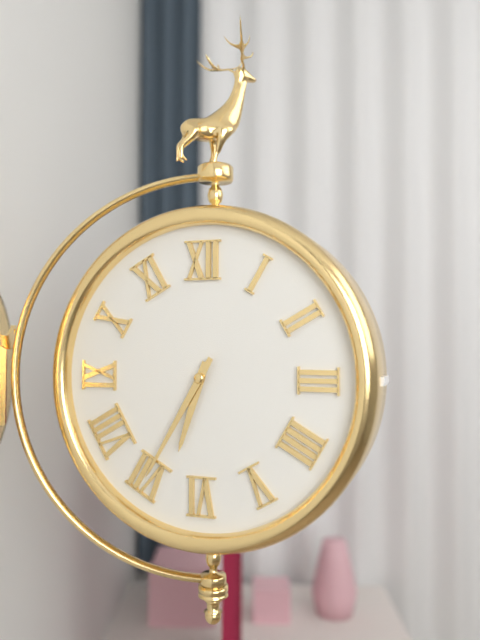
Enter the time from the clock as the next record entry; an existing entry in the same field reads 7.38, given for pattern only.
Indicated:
6.35
